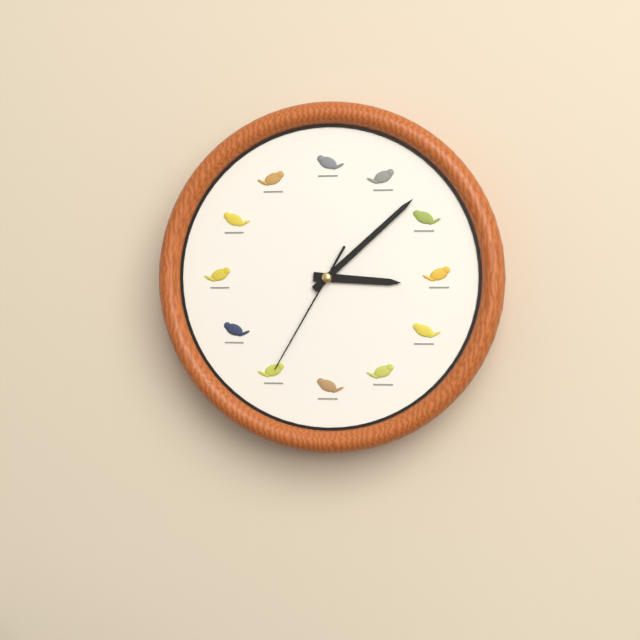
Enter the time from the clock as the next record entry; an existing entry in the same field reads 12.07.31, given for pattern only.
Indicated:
3.08.35
